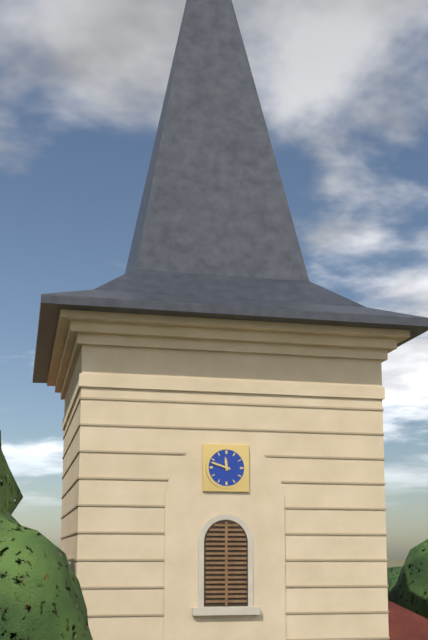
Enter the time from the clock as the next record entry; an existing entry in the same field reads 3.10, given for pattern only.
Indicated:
11.48
